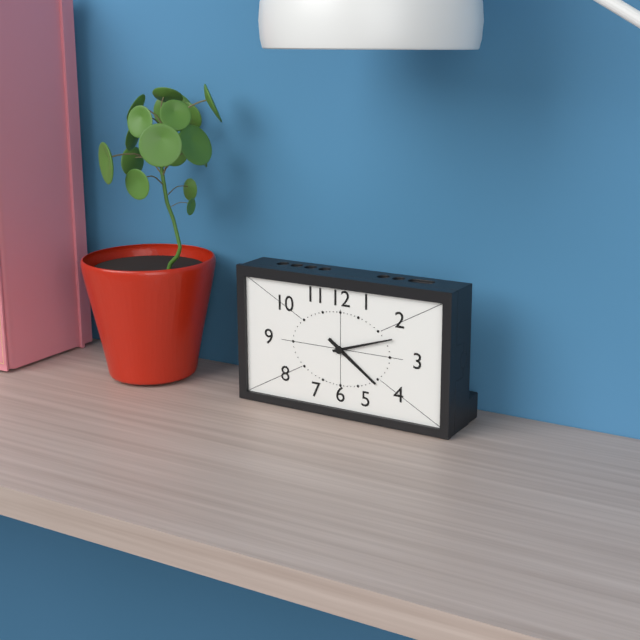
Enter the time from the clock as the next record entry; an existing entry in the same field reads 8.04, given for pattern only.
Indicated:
4.12
